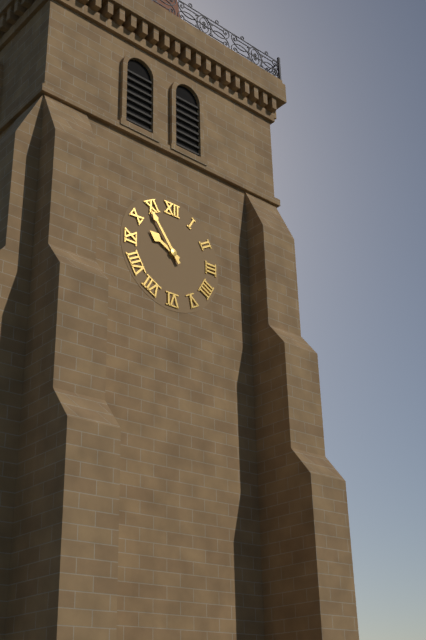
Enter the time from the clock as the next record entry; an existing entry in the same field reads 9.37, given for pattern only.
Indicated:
9.54
